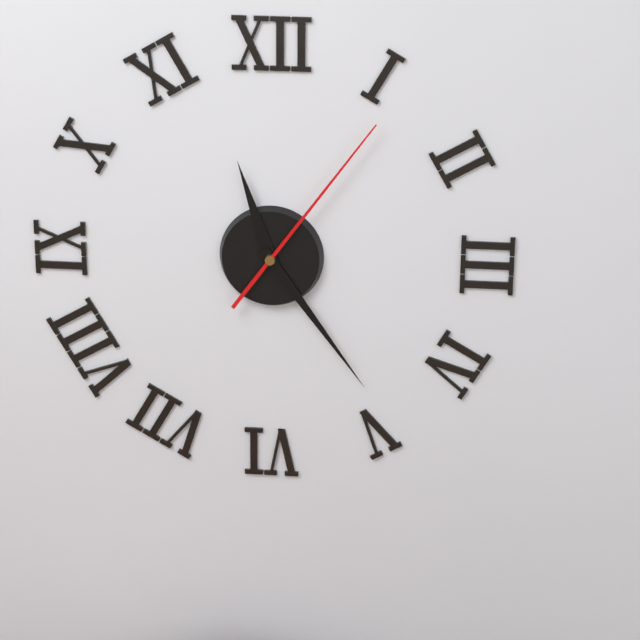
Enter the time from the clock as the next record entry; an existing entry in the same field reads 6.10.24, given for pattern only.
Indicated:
11.24.06
